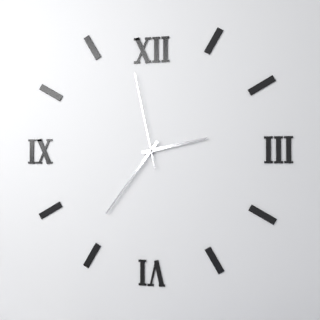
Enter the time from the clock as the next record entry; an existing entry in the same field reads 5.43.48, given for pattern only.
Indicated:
2.36.58
